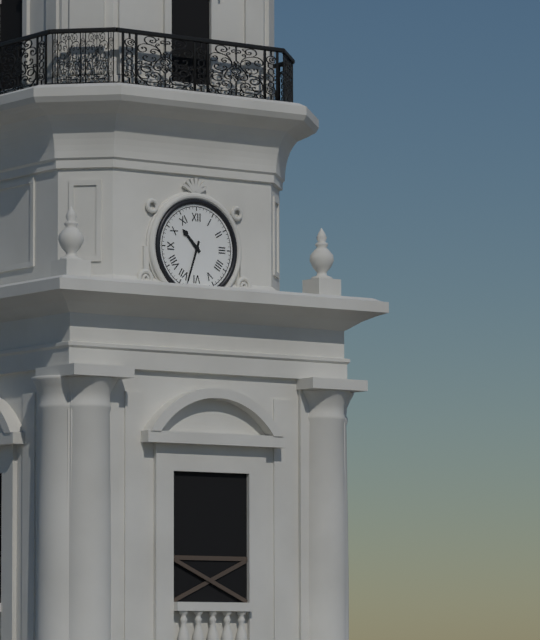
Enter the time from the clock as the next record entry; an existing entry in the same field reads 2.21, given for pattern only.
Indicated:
10.33
